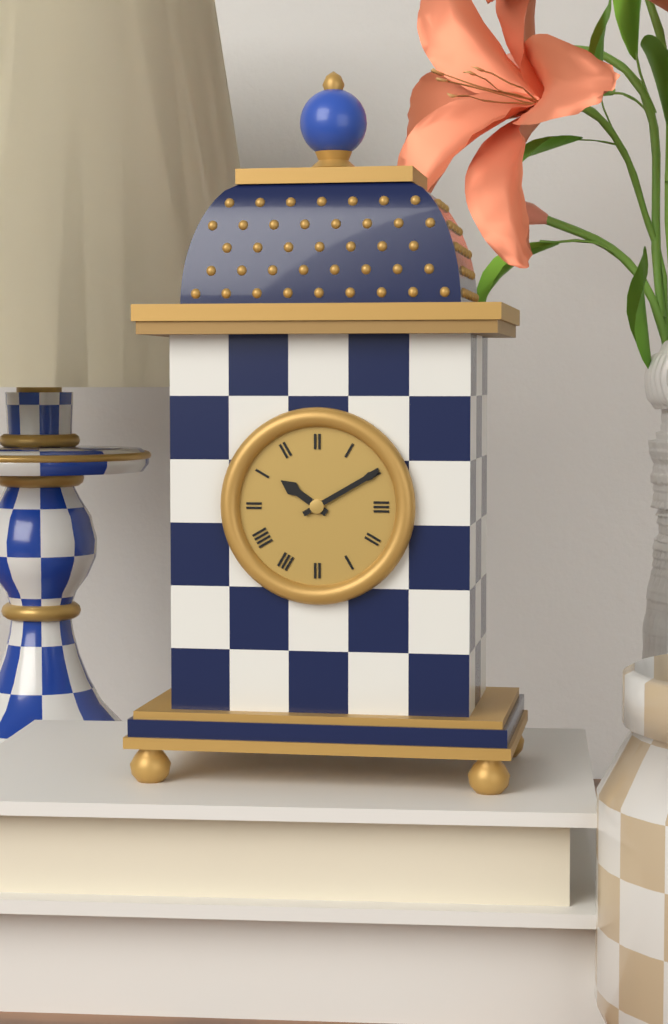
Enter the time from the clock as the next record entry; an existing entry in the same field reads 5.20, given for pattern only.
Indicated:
10.10
